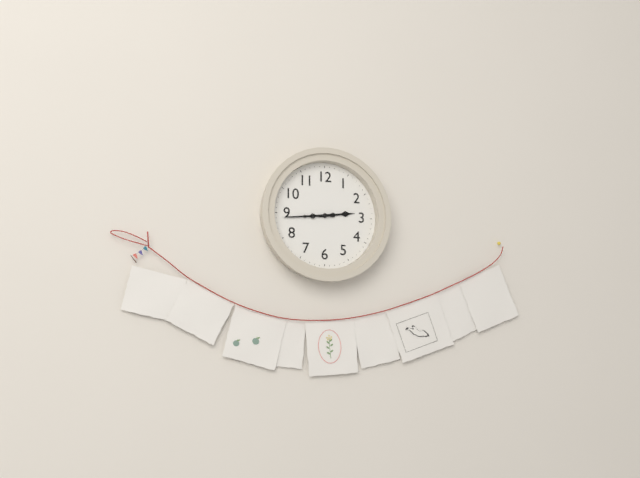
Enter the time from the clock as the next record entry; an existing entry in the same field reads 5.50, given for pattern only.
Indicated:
2.44
